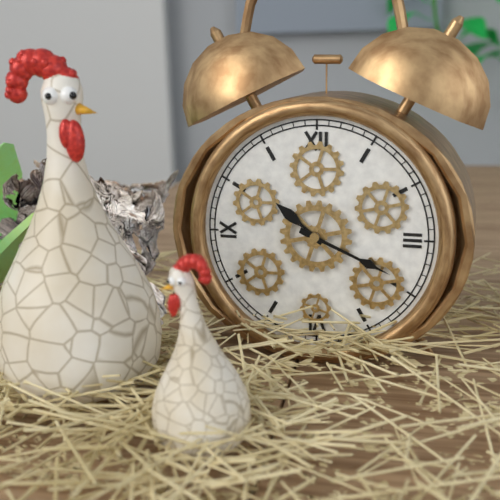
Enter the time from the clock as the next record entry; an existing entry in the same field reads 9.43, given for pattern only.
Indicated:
10.19
